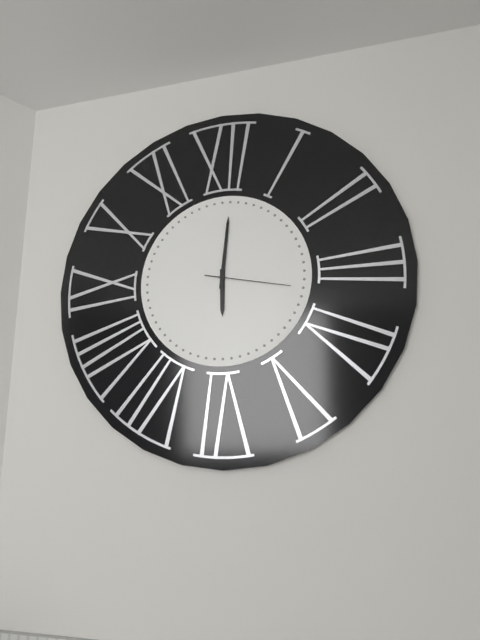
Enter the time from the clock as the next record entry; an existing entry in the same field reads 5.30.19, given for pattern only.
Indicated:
6.01.17
